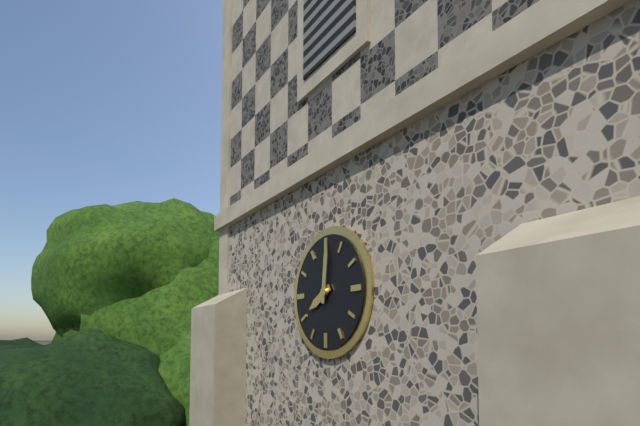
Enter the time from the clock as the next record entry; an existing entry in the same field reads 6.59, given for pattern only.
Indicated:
8.01
